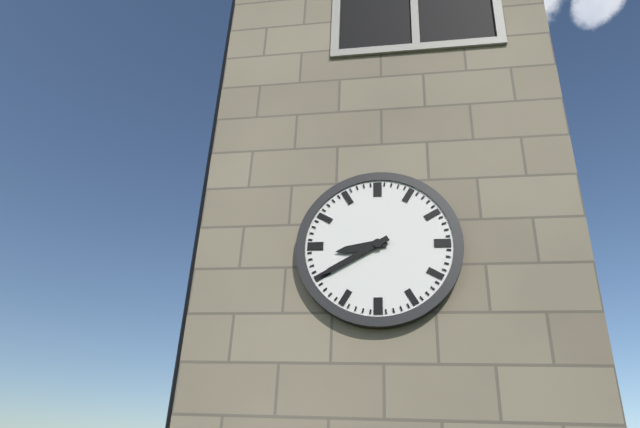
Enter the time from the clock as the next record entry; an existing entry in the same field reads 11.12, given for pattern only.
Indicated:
8.40
